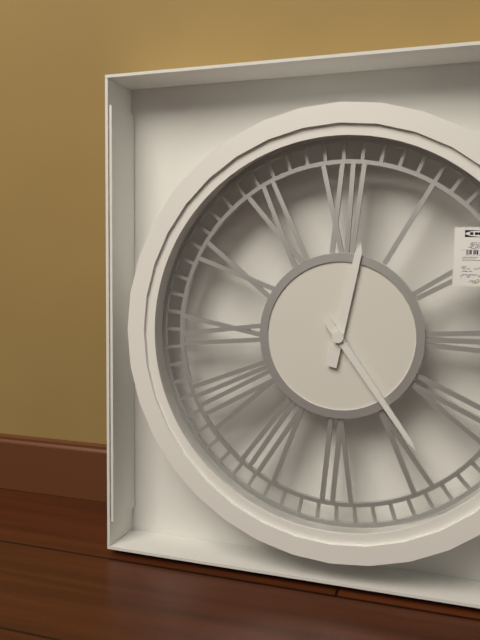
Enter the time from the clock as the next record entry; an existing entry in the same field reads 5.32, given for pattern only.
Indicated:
12.24
